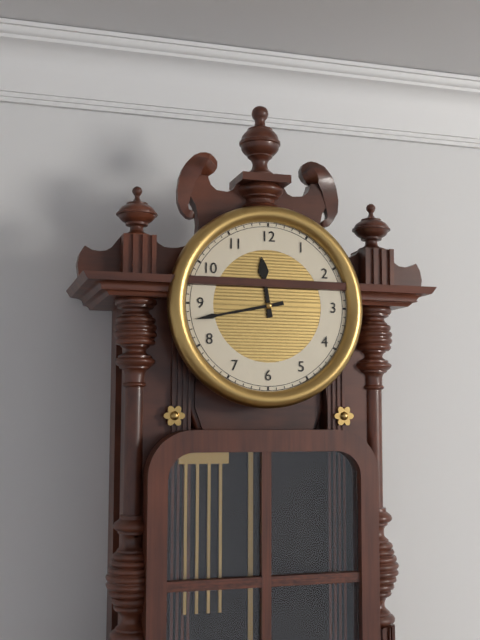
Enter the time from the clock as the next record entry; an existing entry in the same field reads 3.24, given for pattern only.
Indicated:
11.43
